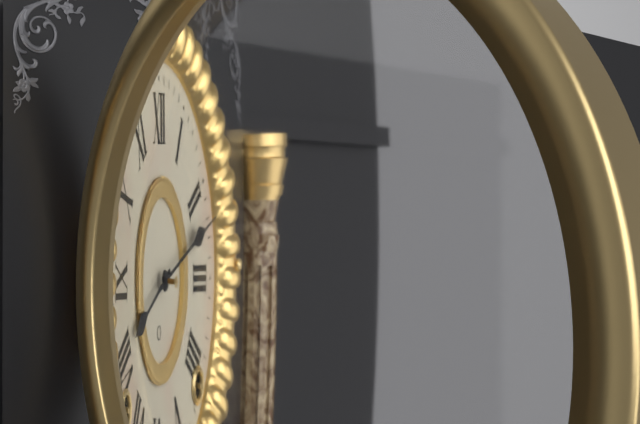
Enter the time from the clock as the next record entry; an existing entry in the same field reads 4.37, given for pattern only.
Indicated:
8.12
